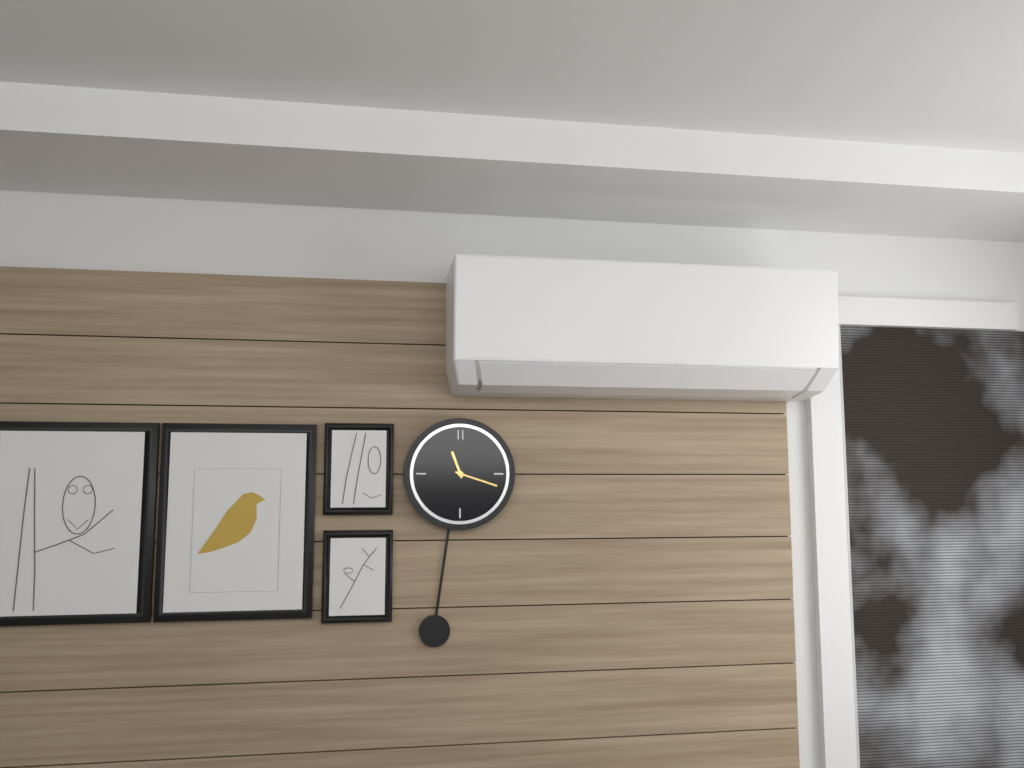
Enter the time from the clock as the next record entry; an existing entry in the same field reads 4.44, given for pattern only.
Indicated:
11.18
